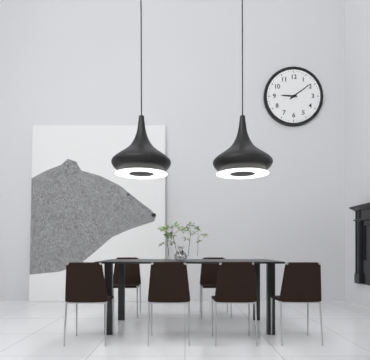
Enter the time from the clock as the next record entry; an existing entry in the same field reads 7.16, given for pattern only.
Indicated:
9.09
